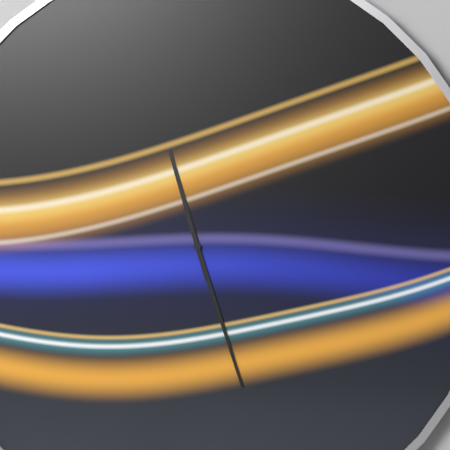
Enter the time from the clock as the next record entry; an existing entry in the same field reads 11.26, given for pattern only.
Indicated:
11.27
